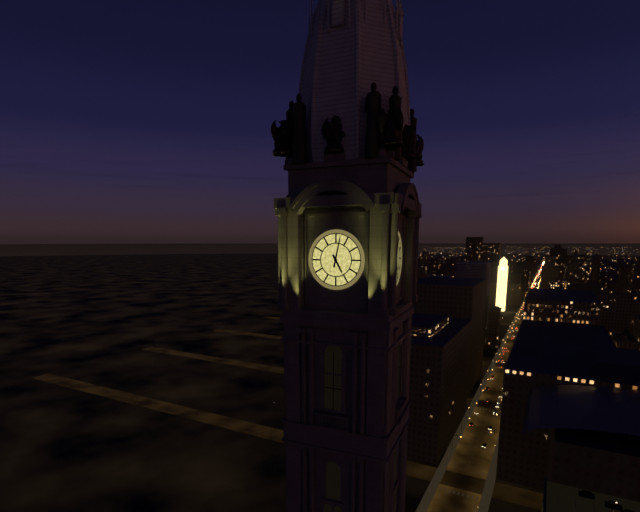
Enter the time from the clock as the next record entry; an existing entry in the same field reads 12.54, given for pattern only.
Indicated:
5.02
